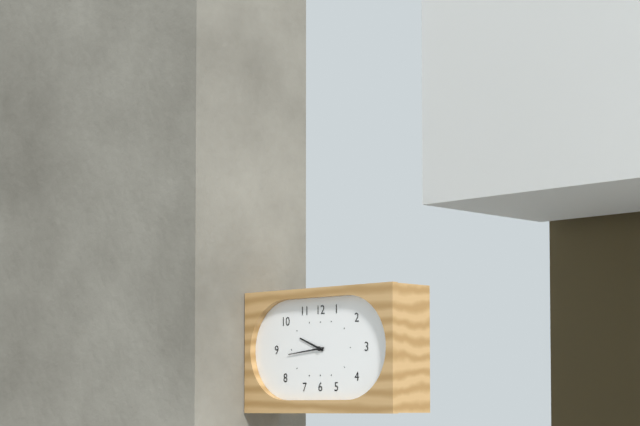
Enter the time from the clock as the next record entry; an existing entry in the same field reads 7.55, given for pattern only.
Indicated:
9.44
